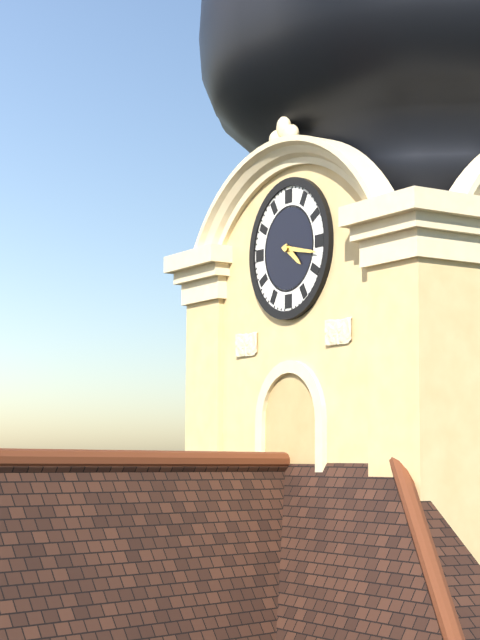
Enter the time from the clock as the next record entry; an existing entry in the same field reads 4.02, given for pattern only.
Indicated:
4.17
